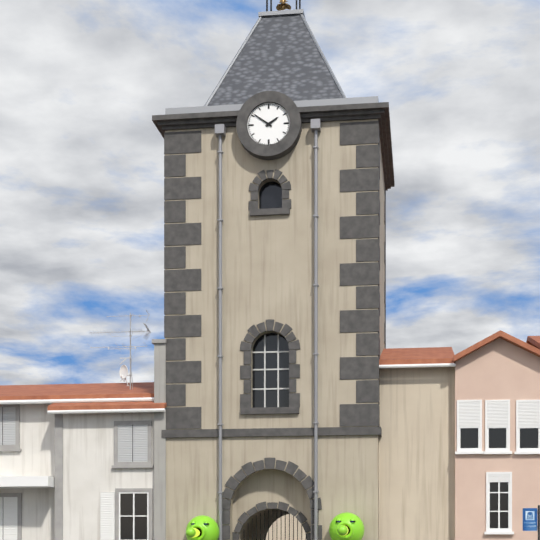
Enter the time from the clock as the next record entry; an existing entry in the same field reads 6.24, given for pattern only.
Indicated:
1.51
